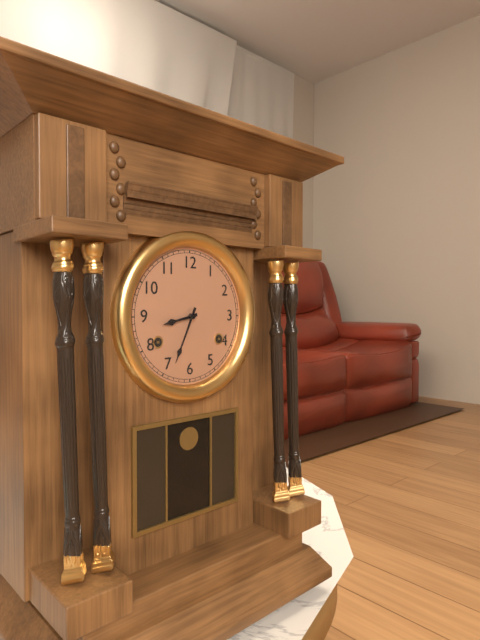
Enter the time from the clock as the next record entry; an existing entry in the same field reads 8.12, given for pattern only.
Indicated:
8.34
